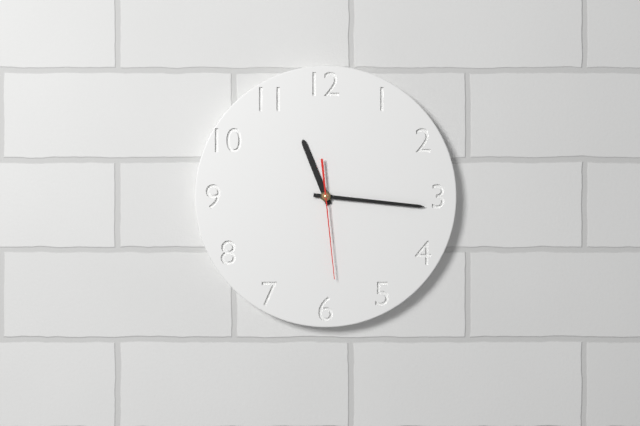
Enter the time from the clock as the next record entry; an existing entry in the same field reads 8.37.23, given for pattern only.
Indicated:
11.16.29
